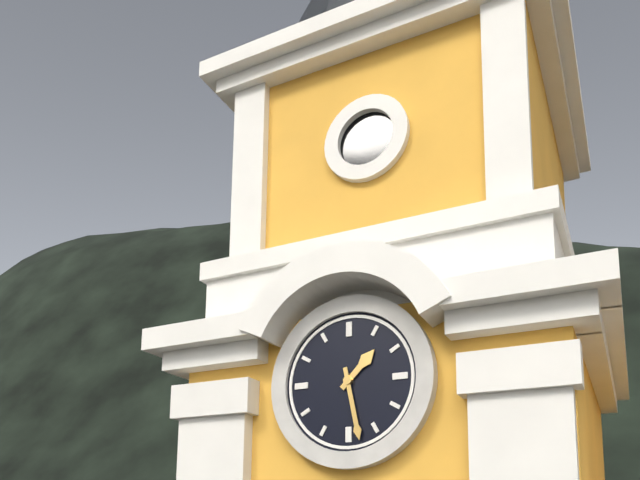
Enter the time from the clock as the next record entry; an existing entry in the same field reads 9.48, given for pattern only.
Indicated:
1.28
